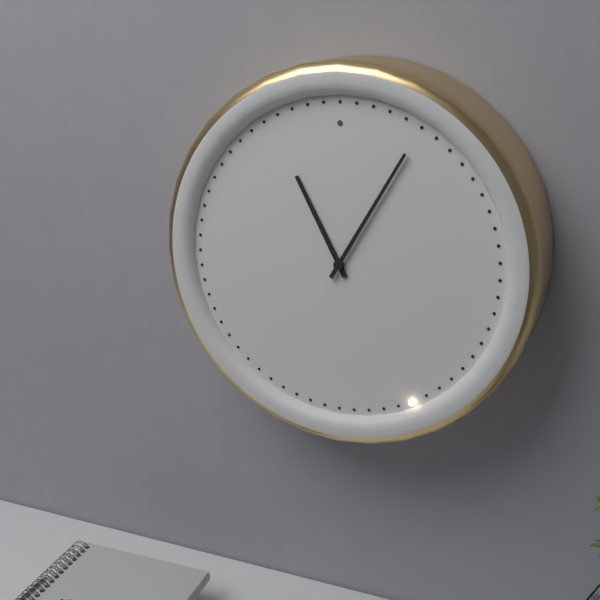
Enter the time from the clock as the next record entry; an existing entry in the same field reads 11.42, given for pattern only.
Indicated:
11.05
